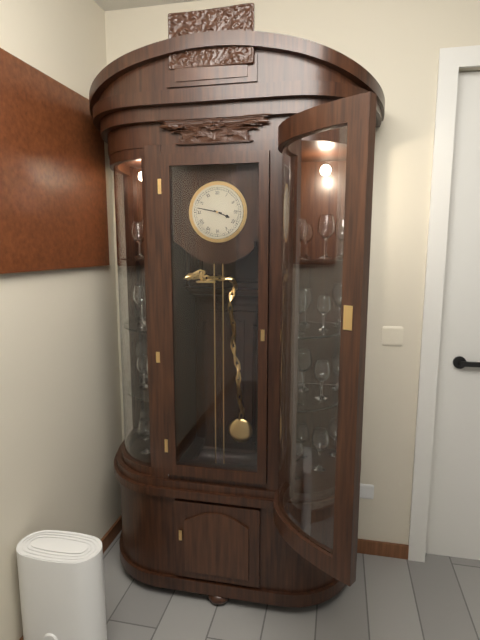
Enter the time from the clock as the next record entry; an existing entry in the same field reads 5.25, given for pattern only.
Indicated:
3.47
